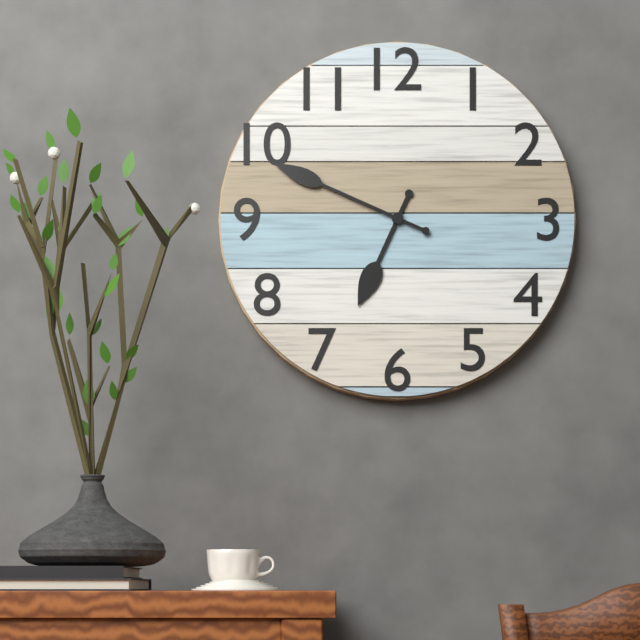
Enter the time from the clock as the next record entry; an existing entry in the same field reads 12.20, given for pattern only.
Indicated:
6.49
